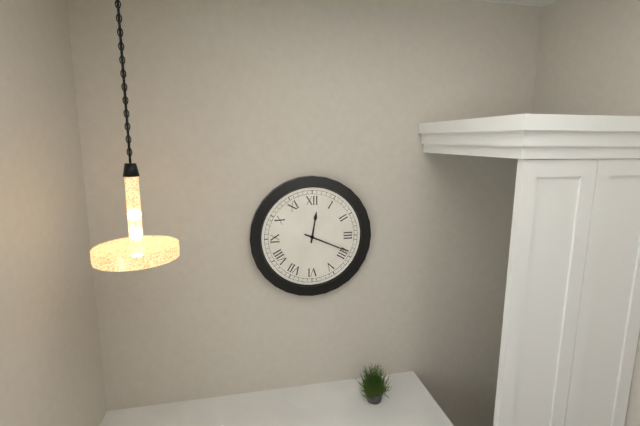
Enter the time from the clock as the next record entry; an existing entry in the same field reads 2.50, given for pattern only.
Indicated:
12.19
